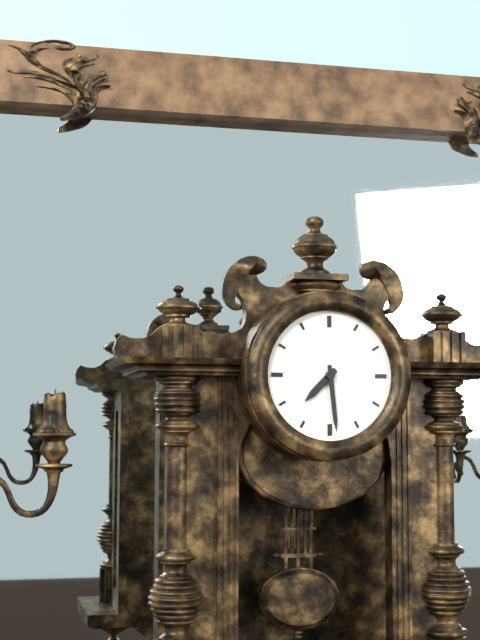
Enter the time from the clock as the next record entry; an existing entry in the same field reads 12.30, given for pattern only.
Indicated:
7.29
